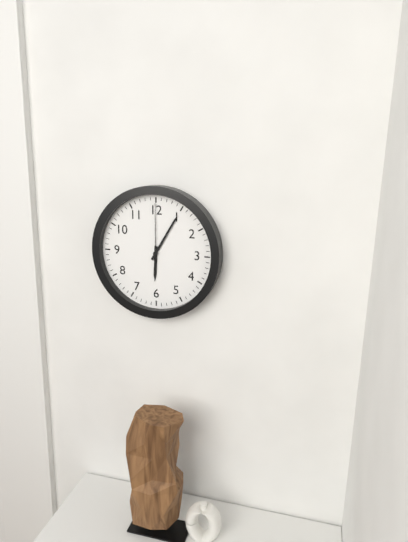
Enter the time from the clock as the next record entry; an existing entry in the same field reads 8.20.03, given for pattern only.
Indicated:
6.05.00
